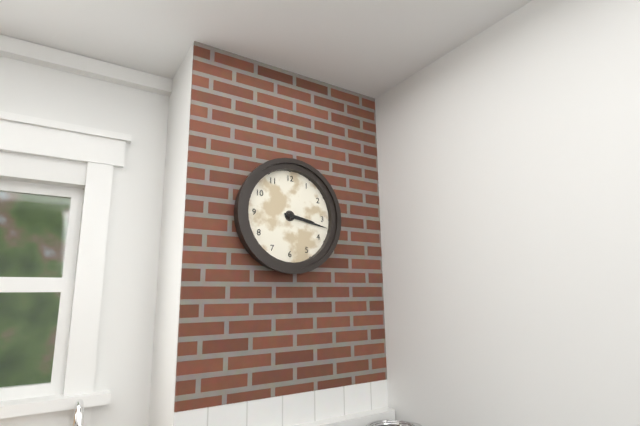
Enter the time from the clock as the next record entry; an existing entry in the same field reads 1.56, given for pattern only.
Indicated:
3.17
